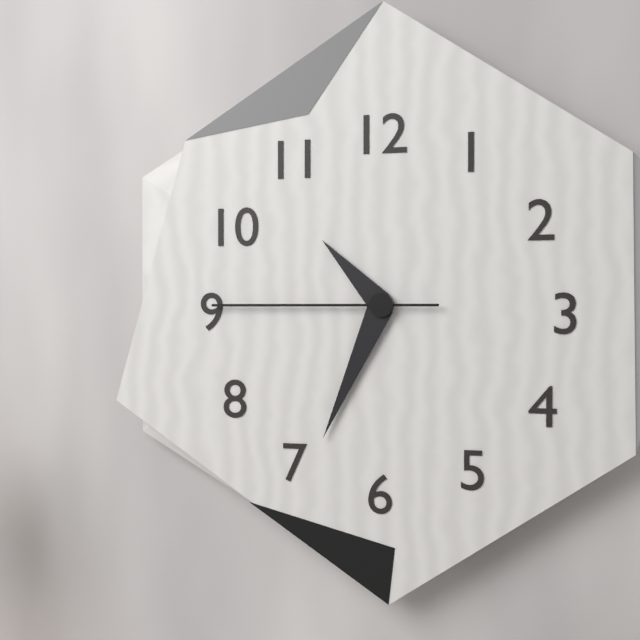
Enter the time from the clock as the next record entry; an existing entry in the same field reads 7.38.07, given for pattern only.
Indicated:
10.34.45
